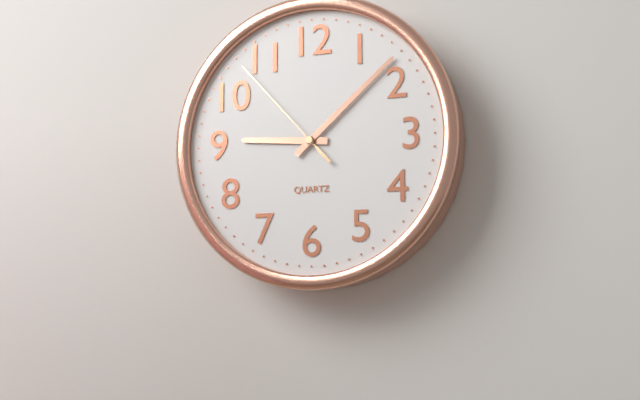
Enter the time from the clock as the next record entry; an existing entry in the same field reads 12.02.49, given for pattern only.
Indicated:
9.08.53
